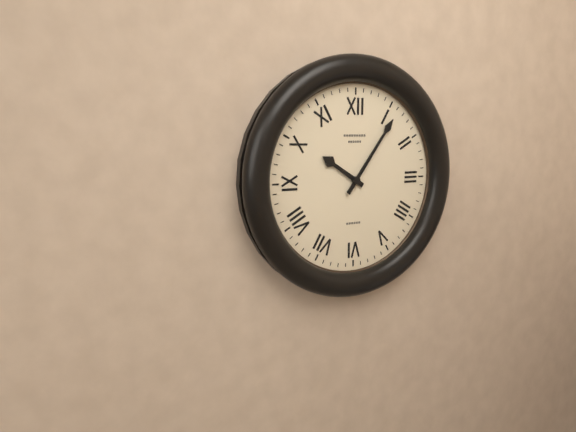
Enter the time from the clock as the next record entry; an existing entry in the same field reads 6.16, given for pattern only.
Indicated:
10.06
